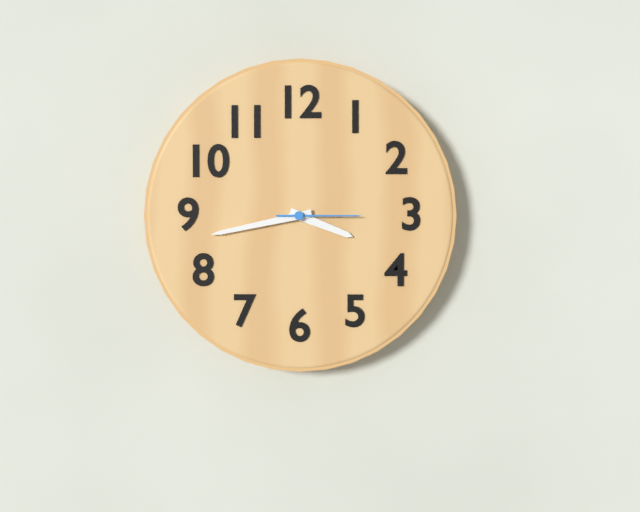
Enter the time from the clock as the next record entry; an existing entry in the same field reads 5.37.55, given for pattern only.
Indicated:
3.43.15
